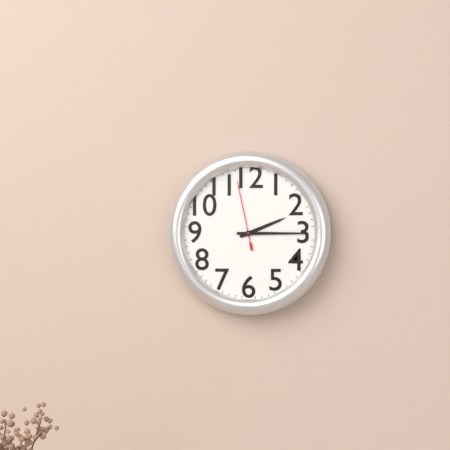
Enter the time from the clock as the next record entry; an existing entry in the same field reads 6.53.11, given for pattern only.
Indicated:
2.15.58
